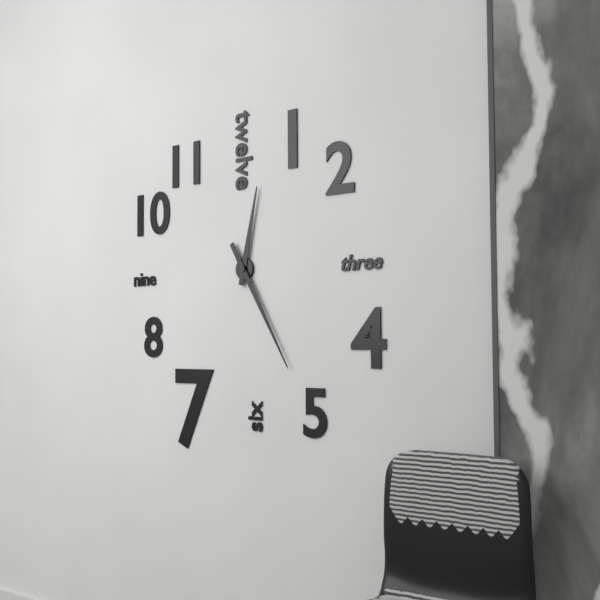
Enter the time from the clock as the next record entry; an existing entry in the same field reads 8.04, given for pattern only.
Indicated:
12.25
